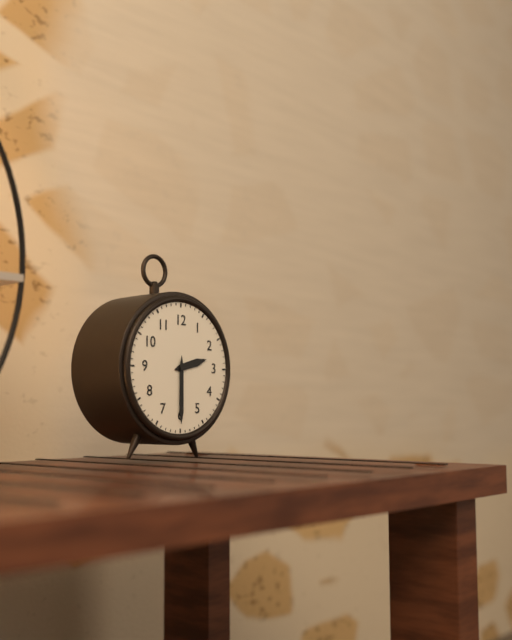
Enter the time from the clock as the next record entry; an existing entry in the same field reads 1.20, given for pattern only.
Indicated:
2.30
